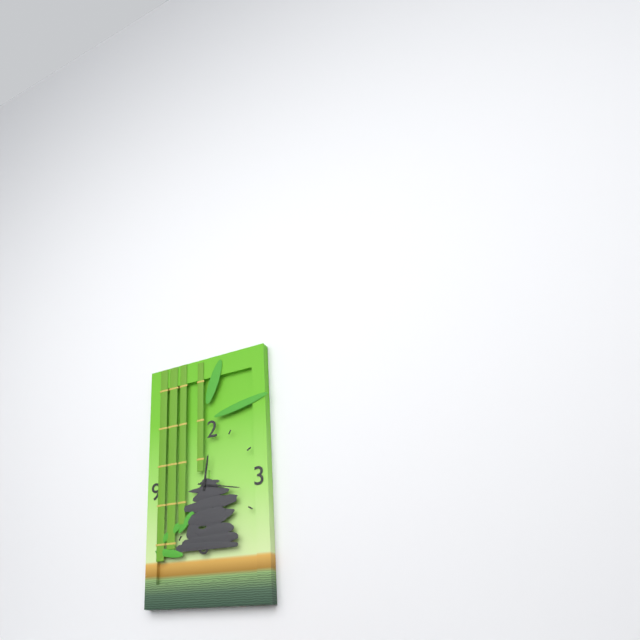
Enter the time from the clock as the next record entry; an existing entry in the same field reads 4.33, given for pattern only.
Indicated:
12.17
